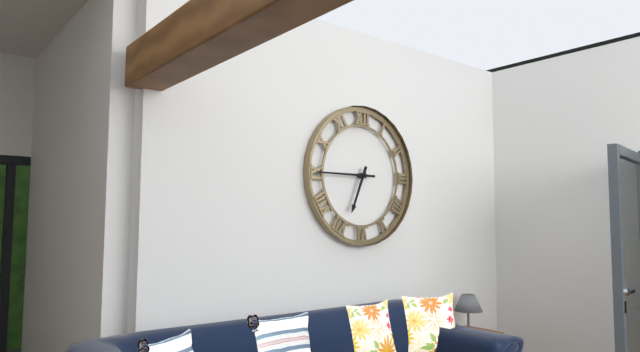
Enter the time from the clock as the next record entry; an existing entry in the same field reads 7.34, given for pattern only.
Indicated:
6.45
